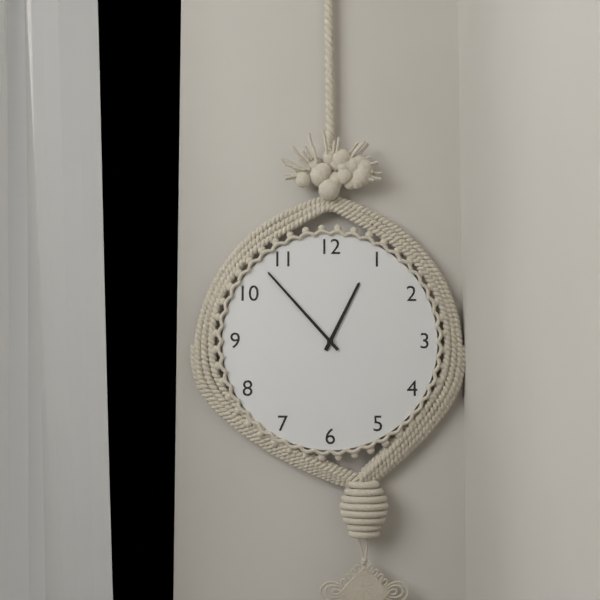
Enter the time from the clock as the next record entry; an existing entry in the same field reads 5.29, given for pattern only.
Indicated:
12.53
